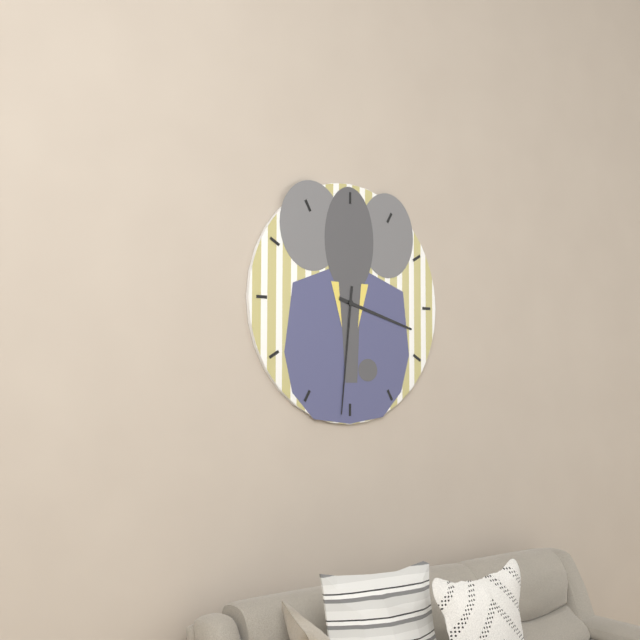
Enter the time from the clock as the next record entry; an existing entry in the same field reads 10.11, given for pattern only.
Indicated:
3.31
